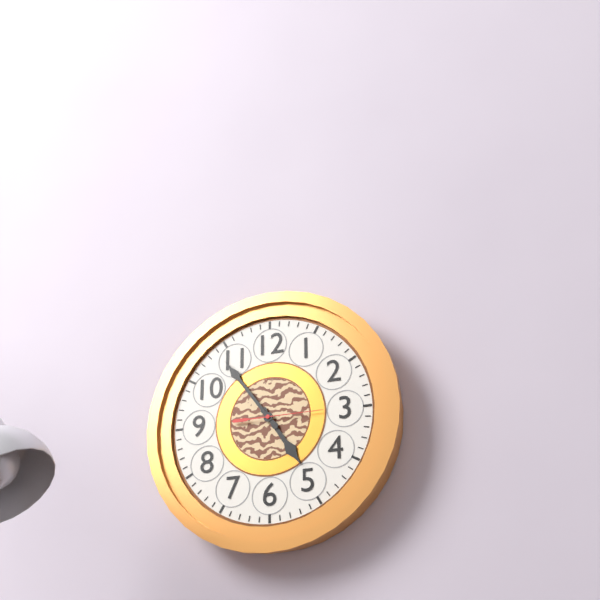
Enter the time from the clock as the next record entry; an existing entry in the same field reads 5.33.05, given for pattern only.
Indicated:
4.54.15
